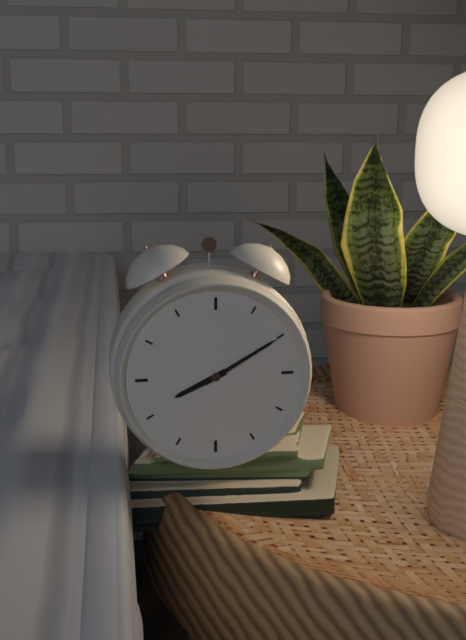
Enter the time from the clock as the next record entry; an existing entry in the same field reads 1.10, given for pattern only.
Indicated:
8.10
